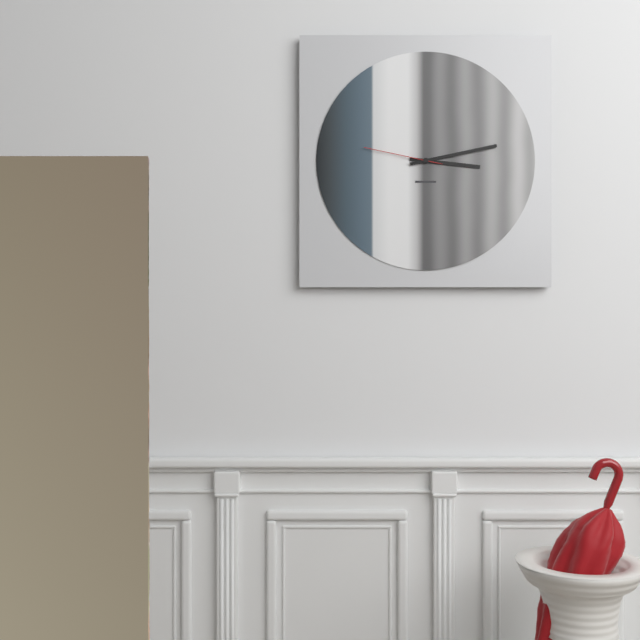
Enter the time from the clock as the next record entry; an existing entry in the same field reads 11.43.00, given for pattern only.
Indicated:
3.13.47
